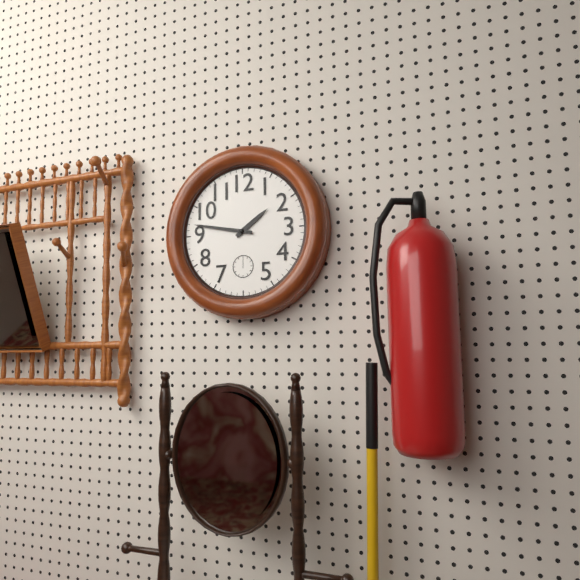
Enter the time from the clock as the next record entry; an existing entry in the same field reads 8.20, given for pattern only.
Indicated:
1.47
